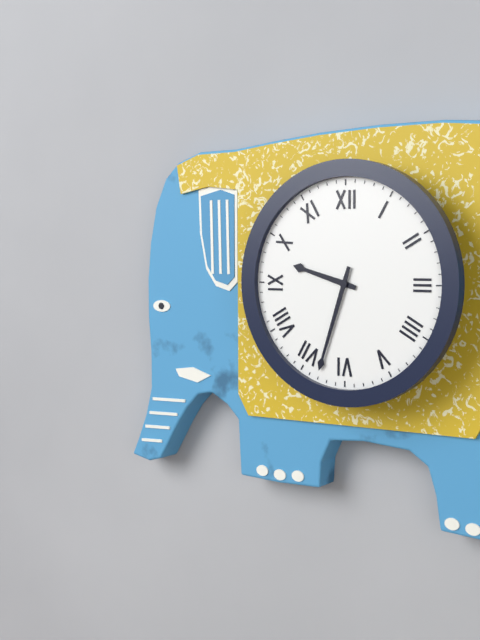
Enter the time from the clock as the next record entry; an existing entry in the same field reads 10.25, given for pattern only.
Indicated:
9.33
